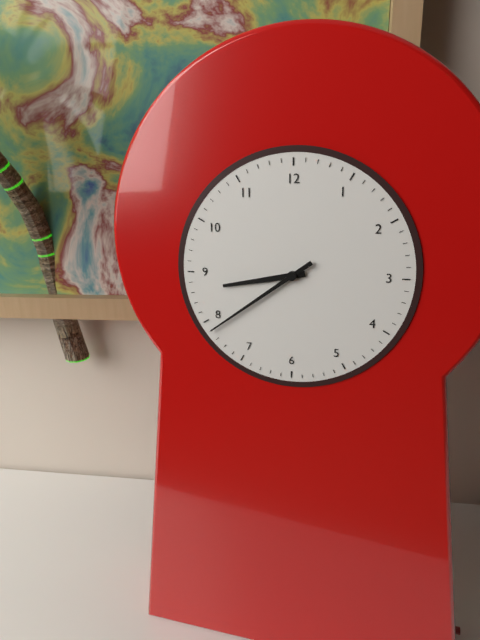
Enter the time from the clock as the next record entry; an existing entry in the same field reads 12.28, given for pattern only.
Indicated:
8.39
